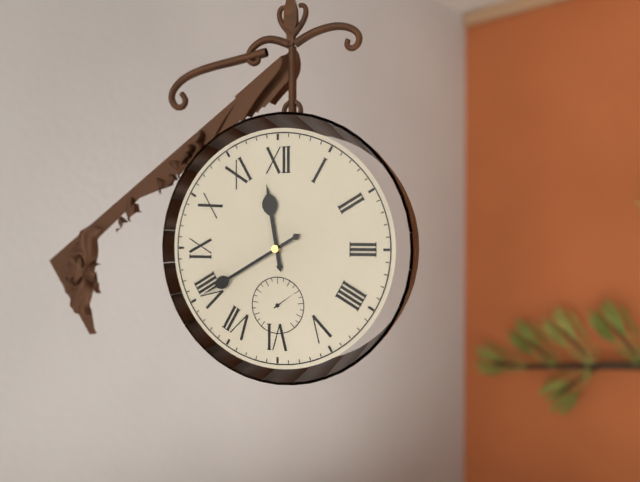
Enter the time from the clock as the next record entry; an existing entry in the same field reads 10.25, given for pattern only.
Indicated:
11.40
